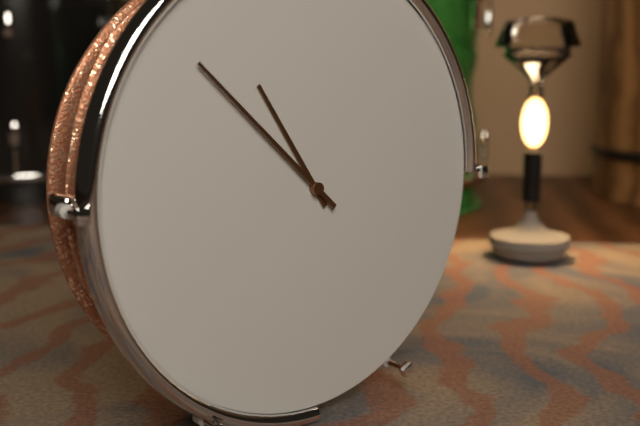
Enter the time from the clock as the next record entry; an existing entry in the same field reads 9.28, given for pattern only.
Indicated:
10.52
